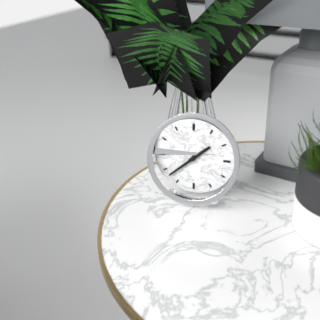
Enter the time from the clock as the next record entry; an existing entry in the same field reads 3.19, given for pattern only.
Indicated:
1.38
